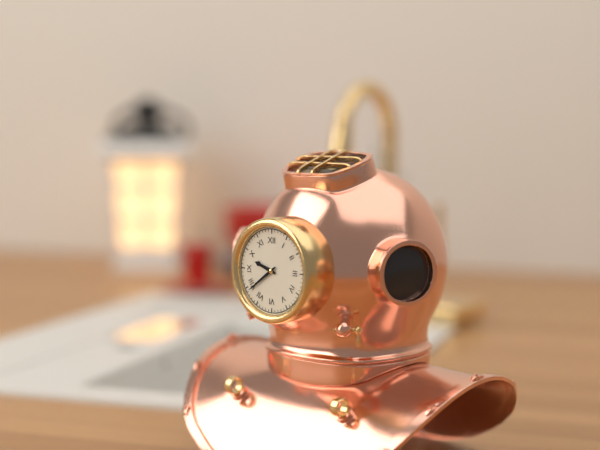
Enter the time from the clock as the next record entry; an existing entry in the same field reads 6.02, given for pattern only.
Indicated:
9.39
